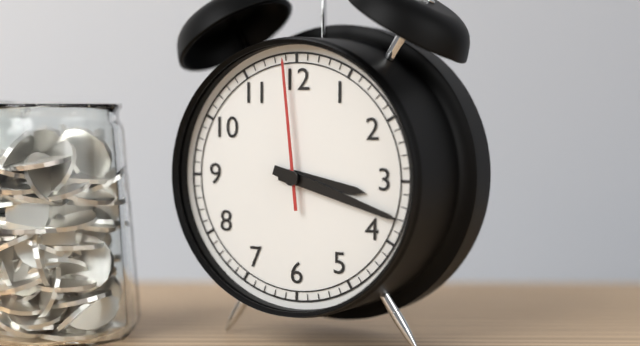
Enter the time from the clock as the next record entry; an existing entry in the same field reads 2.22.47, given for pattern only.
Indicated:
3.18.59
